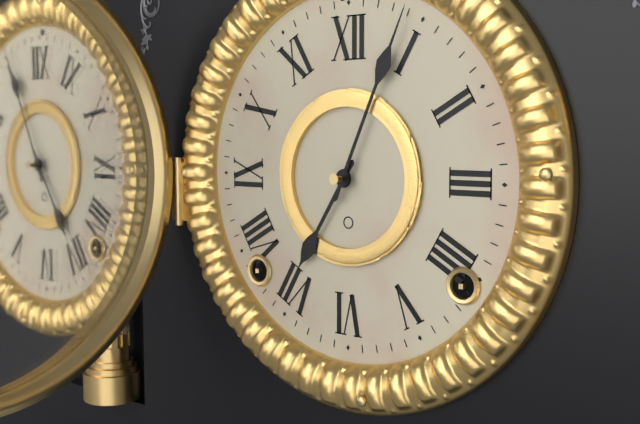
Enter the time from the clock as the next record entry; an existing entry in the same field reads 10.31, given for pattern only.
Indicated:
7.04
